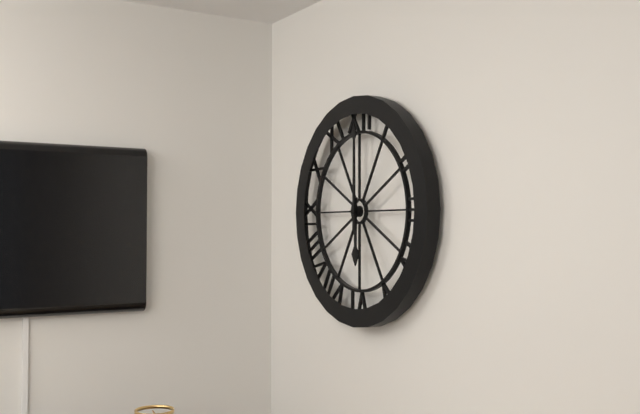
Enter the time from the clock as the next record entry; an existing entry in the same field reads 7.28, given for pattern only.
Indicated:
6.00
